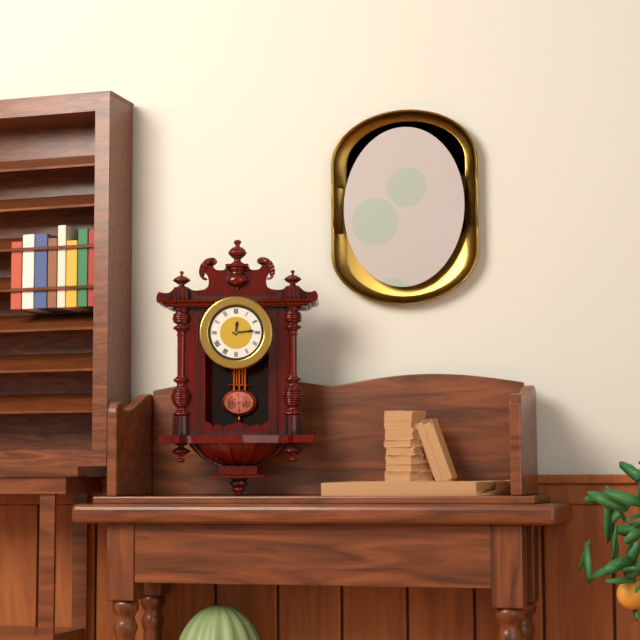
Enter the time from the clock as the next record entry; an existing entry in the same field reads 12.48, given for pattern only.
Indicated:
12.14
